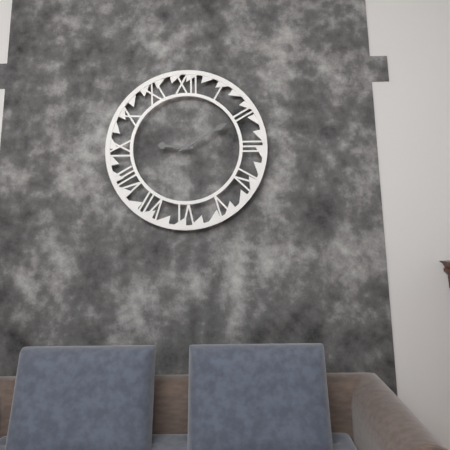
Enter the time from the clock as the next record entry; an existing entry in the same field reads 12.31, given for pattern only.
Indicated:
9.10
